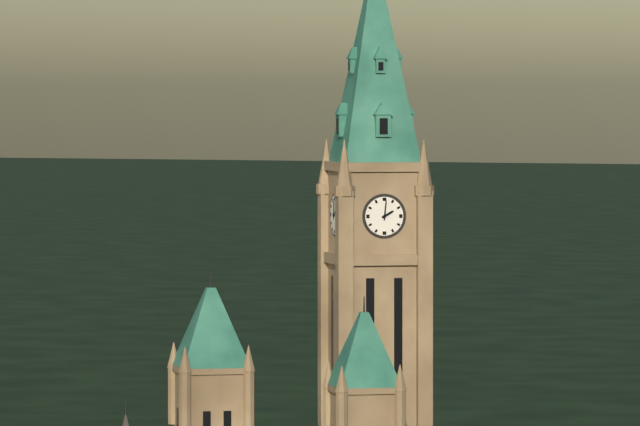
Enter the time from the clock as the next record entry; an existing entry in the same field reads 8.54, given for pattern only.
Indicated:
2.01
